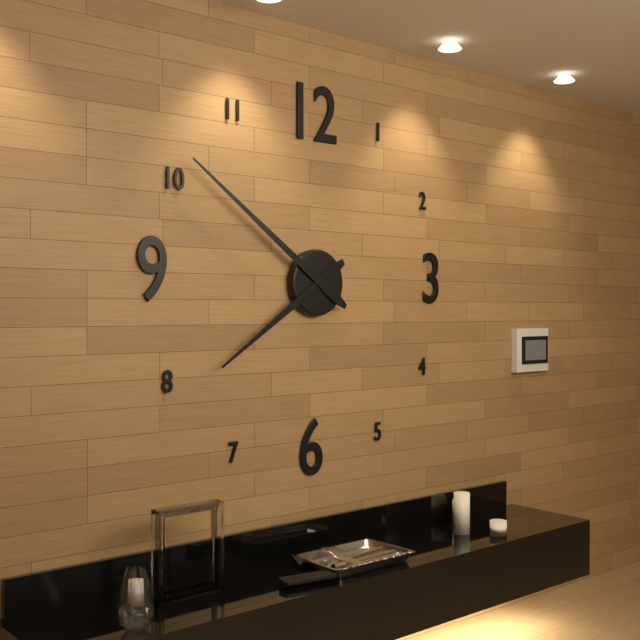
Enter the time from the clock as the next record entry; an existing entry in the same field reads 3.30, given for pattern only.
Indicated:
7.51
